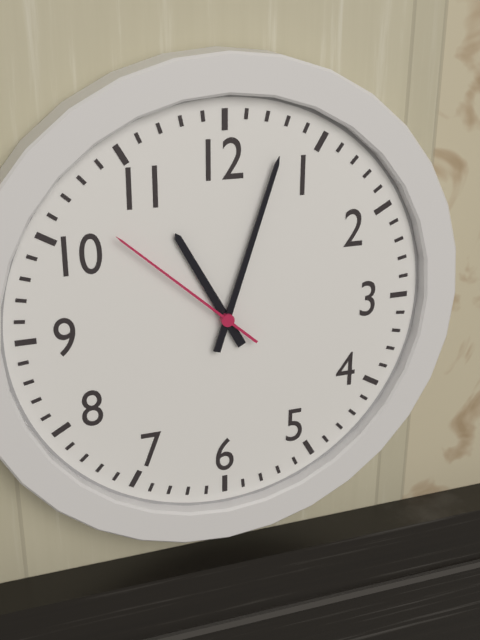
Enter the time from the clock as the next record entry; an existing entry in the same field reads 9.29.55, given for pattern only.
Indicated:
11.03.52
